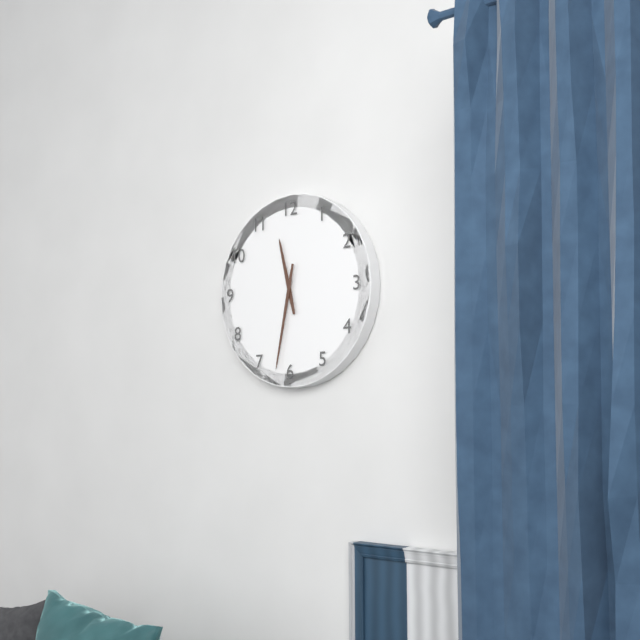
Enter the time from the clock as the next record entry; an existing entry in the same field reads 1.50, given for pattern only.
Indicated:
11.32
